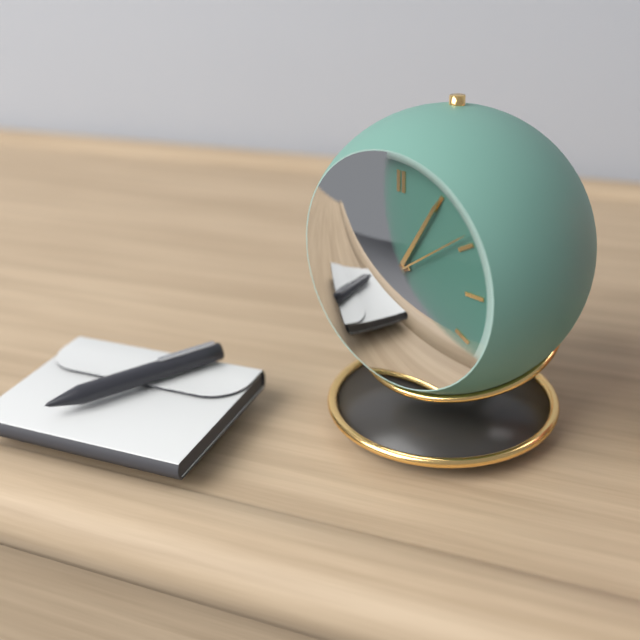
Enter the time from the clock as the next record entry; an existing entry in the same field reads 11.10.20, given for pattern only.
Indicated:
8.05.09
